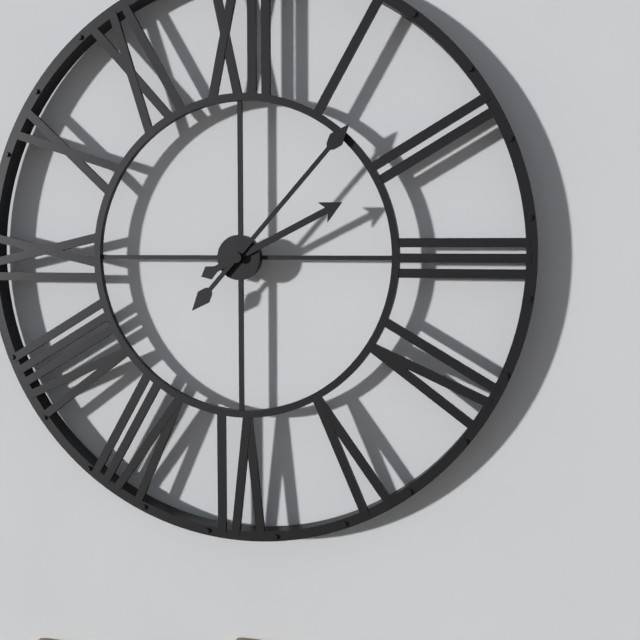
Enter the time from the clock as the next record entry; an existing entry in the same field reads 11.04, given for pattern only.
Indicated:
2.07
